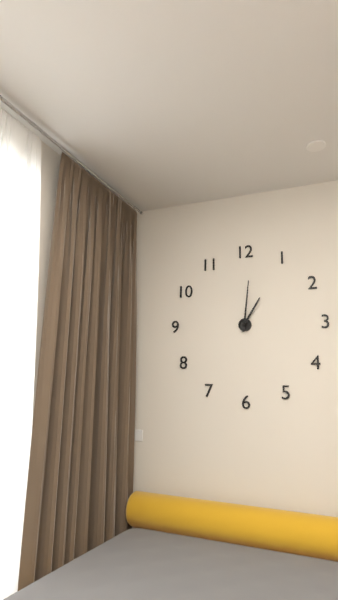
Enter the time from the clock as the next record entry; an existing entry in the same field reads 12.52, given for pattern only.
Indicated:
1.01
